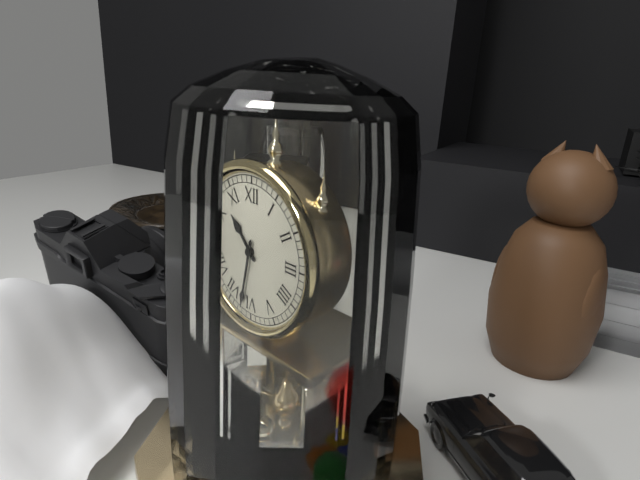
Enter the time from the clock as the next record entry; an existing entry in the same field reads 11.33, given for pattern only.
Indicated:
10.32
